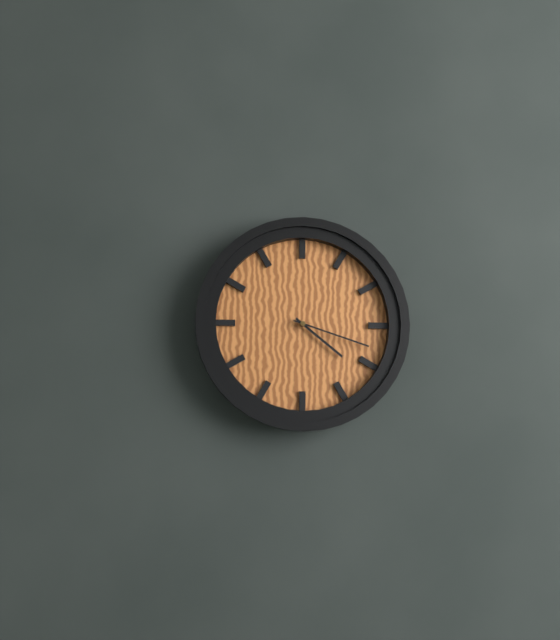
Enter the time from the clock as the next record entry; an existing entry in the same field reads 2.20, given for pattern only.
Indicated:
4.18
